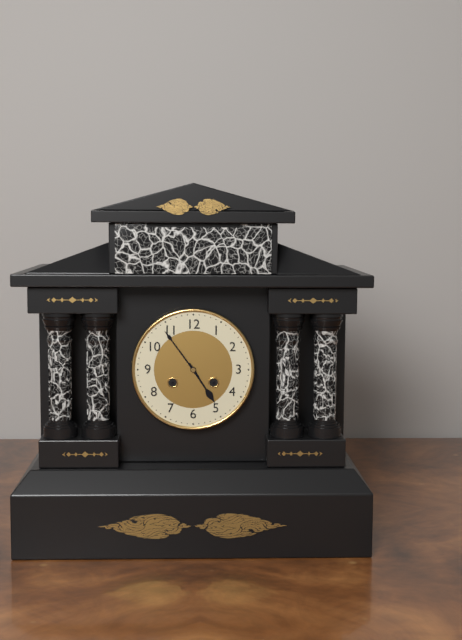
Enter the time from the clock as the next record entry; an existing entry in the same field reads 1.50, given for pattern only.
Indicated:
4.54
